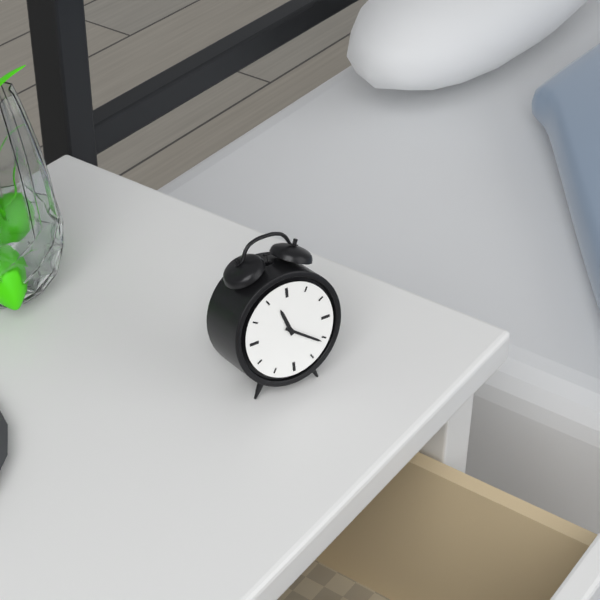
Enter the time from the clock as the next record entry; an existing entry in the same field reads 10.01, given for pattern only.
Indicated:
11.21
